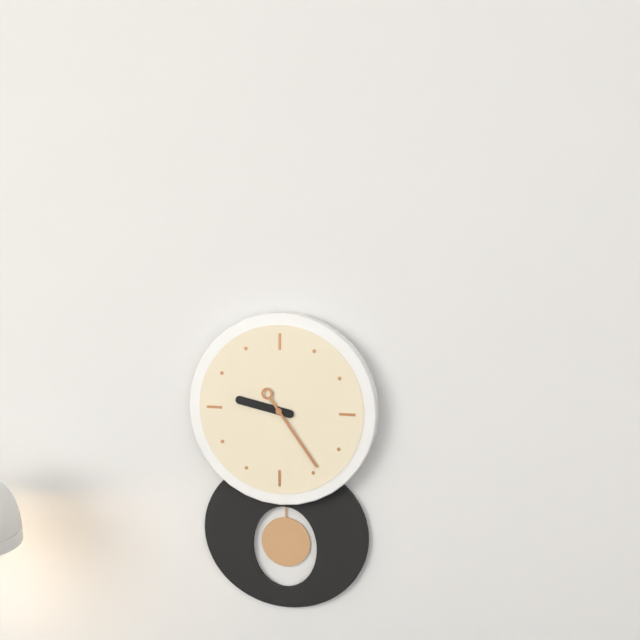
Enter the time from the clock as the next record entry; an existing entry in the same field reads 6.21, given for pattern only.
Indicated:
9.24
